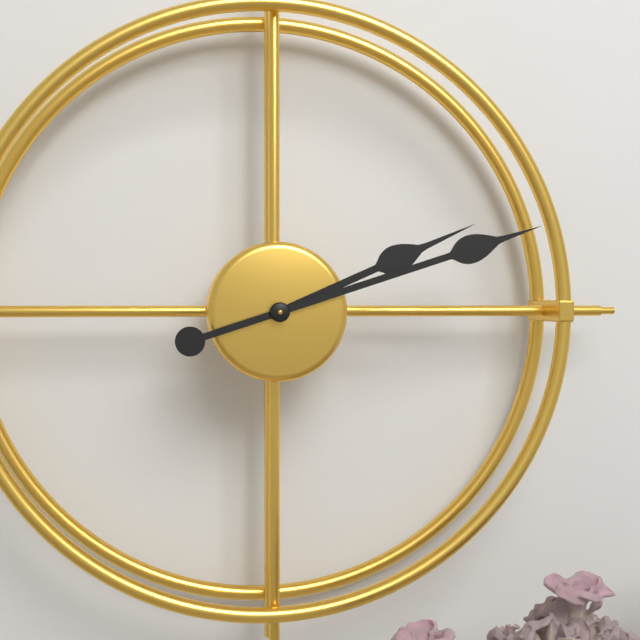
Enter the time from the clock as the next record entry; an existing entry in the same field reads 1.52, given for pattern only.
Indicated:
2.12
